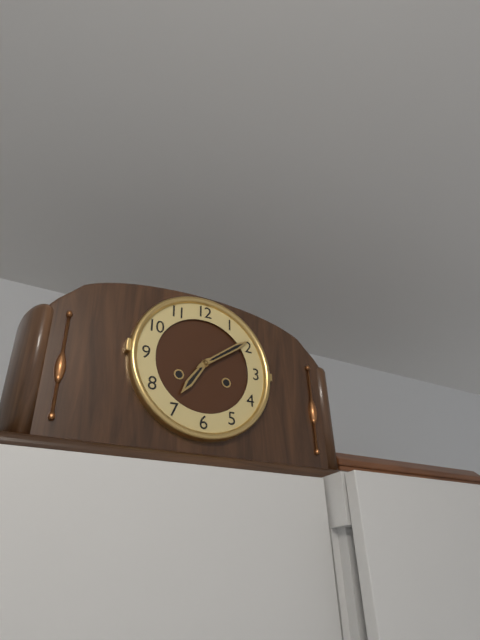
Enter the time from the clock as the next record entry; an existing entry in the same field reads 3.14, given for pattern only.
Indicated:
7.09
